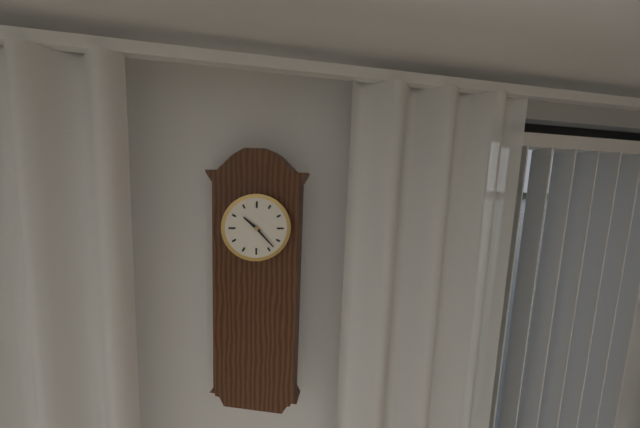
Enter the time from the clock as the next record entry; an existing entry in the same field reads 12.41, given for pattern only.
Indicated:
10.23
